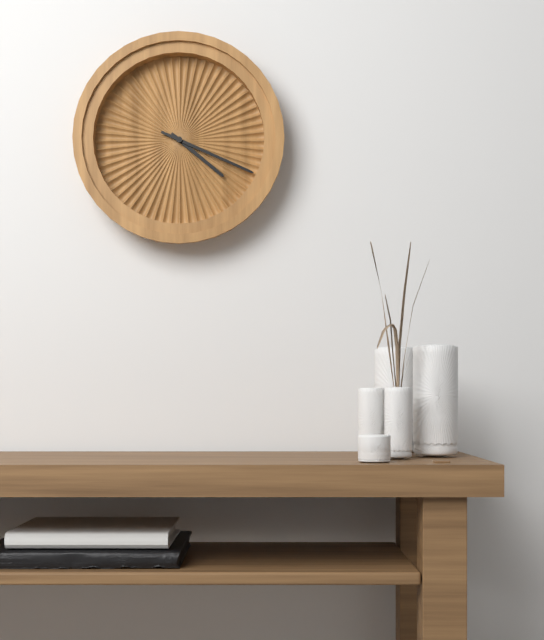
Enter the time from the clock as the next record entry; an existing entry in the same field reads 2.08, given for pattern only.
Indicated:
4.19
